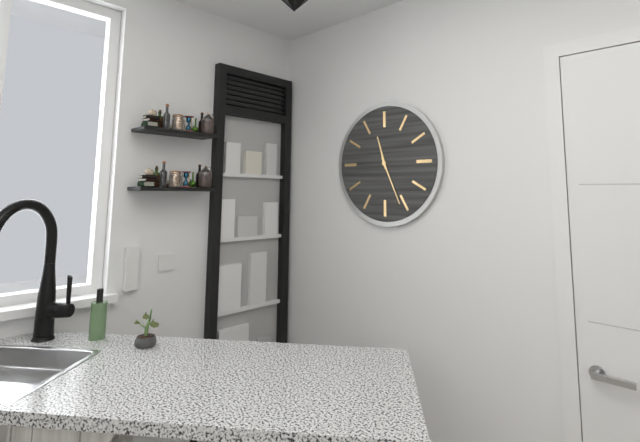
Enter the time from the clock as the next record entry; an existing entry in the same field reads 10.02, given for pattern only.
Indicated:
11.26
